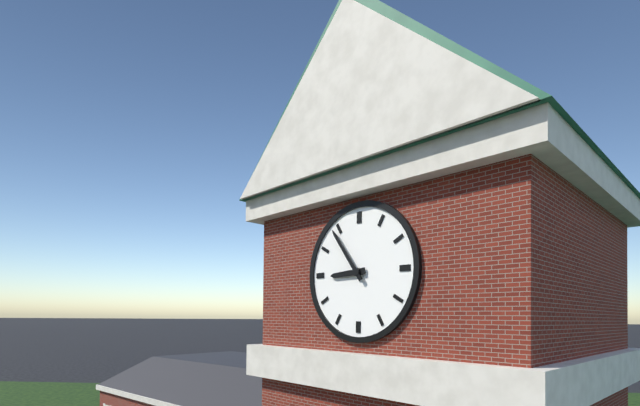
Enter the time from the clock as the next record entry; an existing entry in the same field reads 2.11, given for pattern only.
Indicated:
8.54
